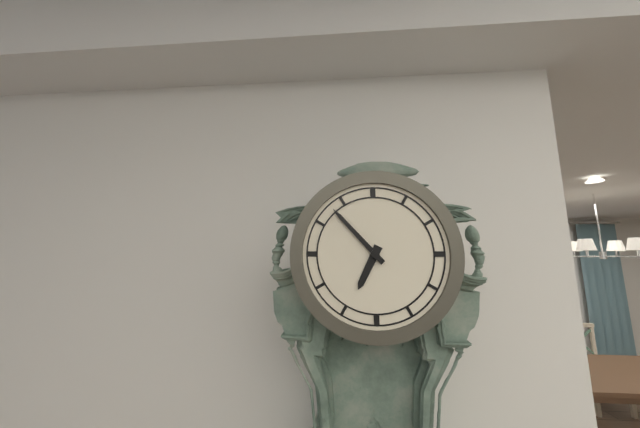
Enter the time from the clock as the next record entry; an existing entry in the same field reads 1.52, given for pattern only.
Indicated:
6.53
